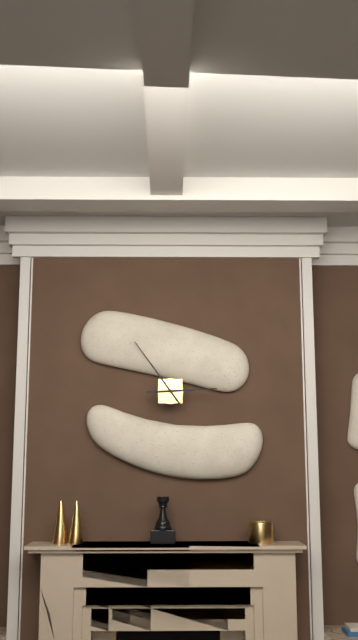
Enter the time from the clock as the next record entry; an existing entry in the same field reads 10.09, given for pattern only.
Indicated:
2.54
